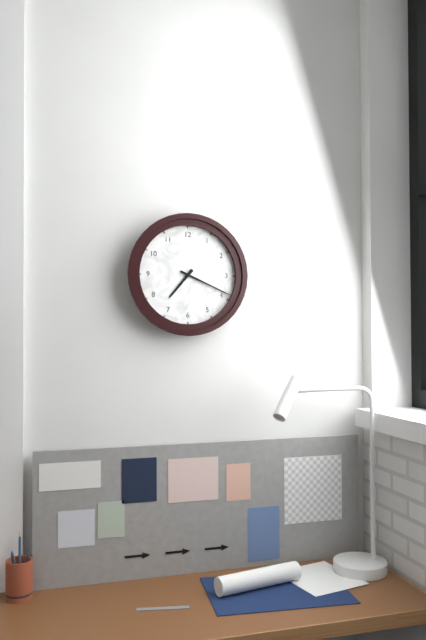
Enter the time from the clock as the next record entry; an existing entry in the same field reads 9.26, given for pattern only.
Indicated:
7.19
